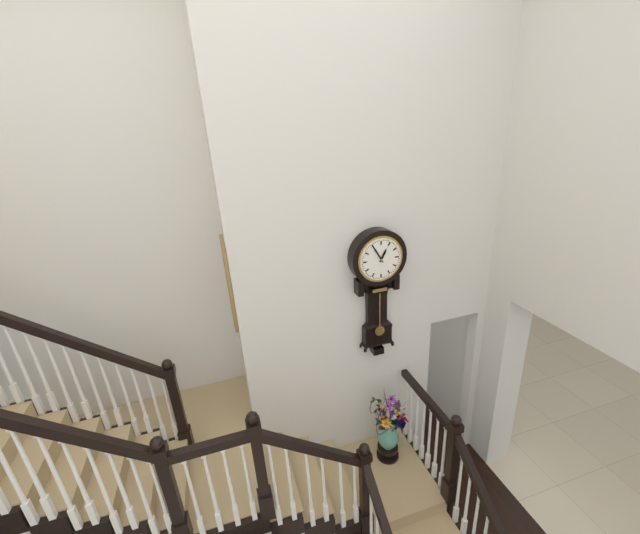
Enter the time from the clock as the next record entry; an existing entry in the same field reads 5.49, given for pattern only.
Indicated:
12.55
